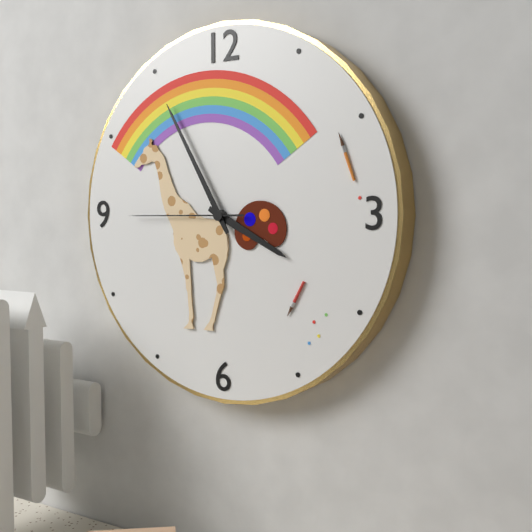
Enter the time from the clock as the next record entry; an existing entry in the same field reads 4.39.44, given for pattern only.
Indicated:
3.55.45
